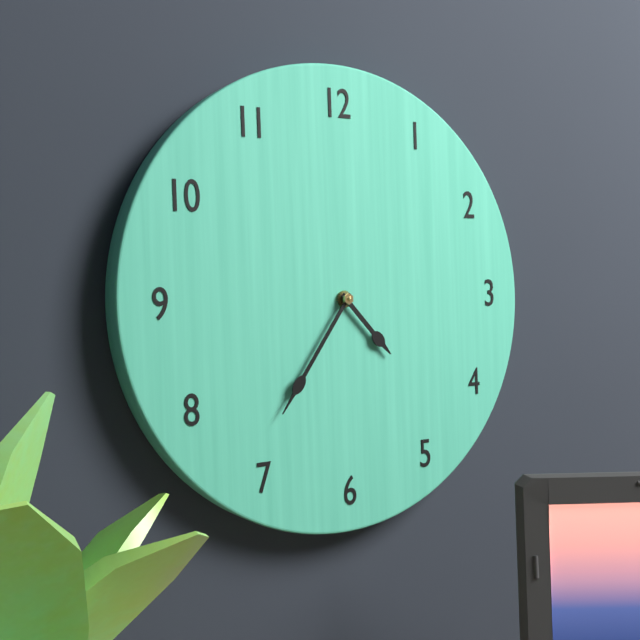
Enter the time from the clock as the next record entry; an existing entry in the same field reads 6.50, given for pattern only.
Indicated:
4.36
